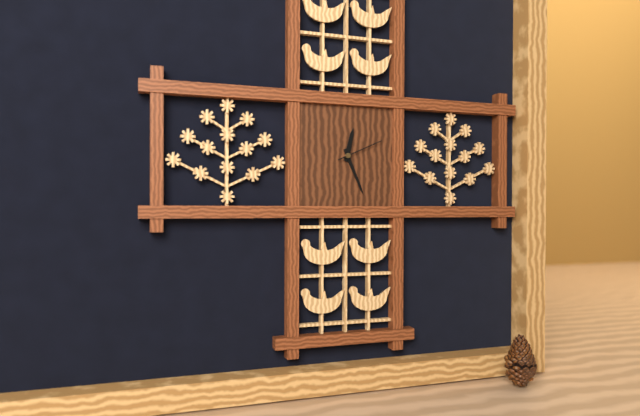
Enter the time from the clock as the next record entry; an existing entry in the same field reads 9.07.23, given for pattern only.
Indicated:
12.26.11
